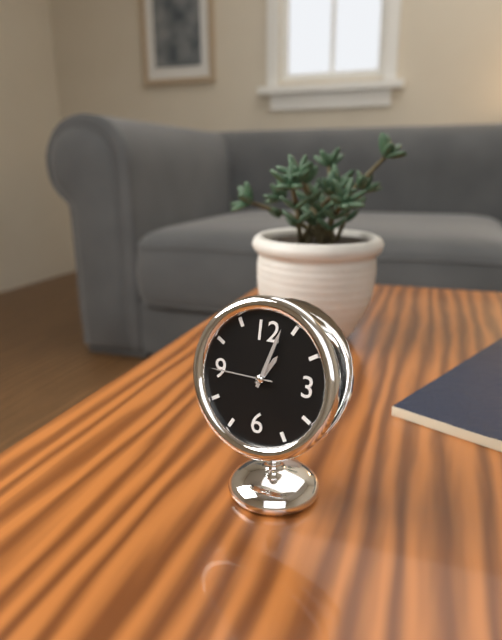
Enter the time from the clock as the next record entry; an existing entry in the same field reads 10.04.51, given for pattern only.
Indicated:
1.03.45
